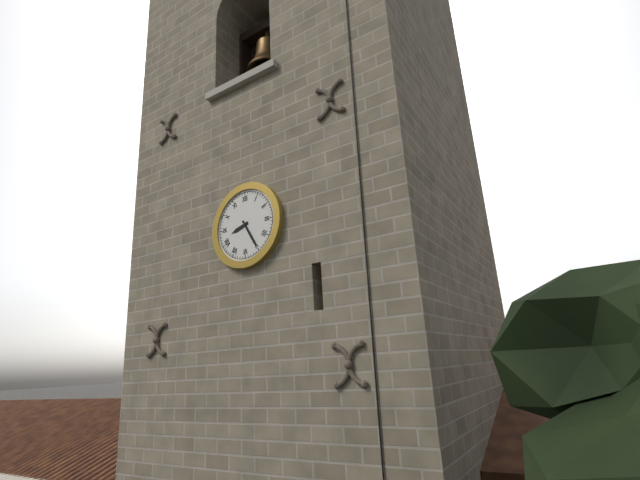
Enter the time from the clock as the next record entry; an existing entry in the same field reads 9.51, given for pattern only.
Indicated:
8.25
